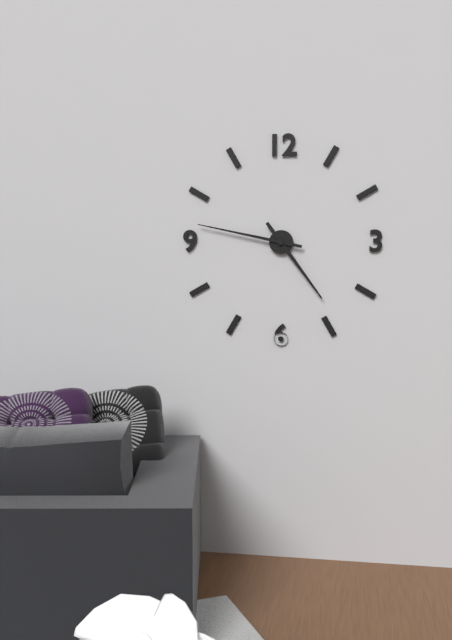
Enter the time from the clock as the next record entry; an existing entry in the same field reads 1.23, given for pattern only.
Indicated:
4.47
